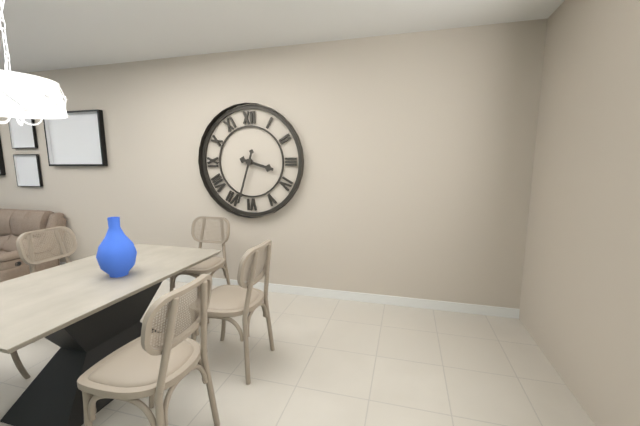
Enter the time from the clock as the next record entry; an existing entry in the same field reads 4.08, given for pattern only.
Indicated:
3.33
